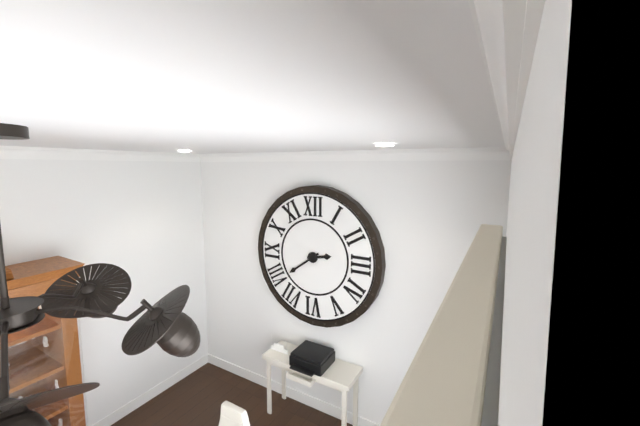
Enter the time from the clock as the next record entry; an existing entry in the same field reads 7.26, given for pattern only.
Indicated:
2.39
